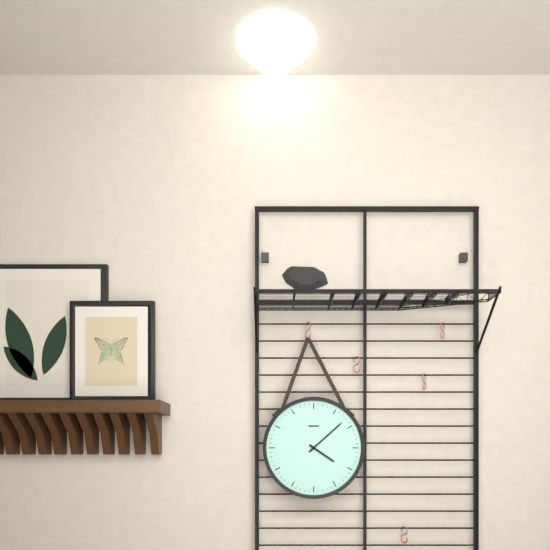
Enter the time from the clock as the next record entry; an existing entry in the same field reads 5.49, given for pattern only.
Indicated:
4.08
